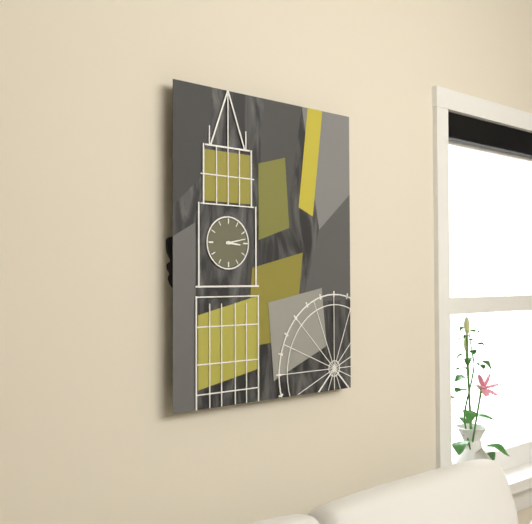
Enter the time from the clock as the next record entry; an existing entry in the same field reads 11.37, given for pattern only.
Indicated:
3.13
